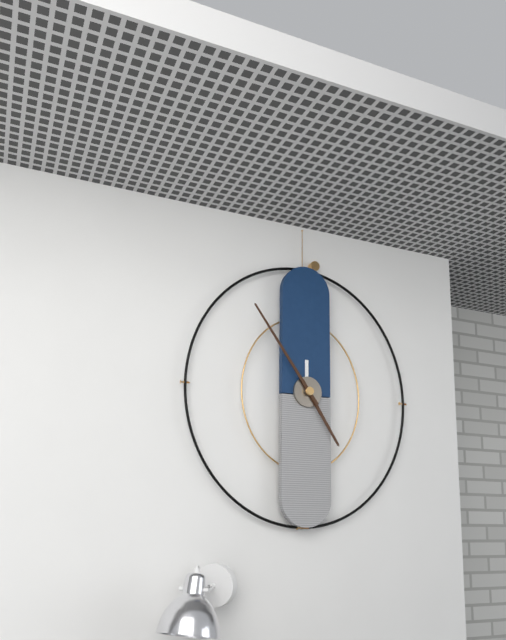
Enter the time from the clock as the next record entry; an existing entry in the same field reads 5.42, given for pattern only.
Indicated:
4.54
